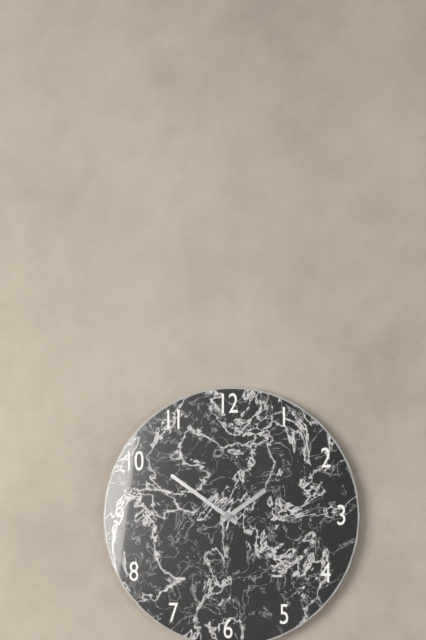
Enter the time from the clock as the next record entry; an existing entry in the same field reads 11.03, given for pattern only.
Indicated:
1.51
